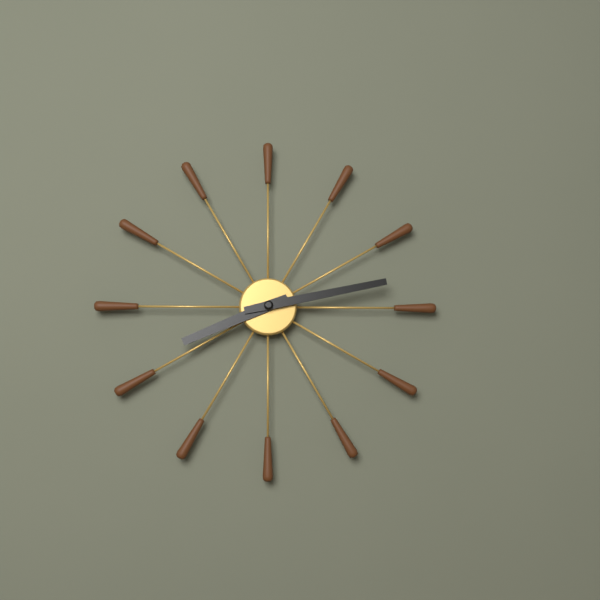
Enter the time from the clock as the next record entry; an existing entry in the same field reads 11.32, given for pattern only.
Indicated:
8.13
